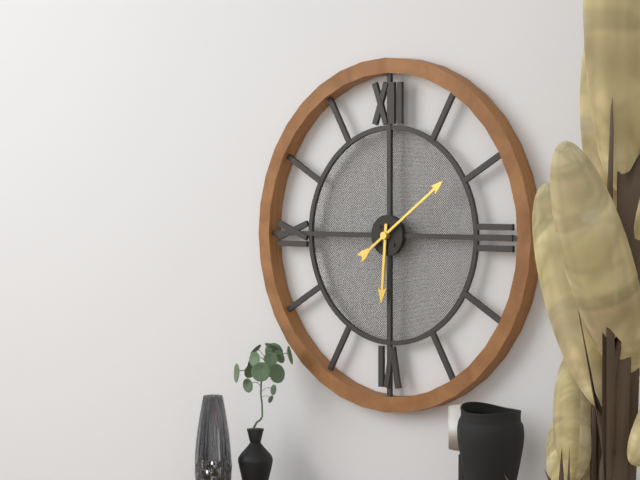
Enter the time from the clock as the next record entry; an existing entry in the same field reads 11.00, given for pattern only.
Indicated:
6.09
